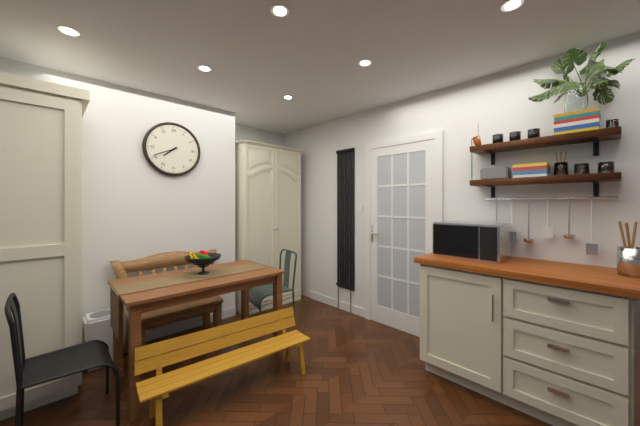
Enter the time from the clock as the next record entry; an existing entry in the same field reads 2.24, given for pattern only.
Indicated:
7.41
